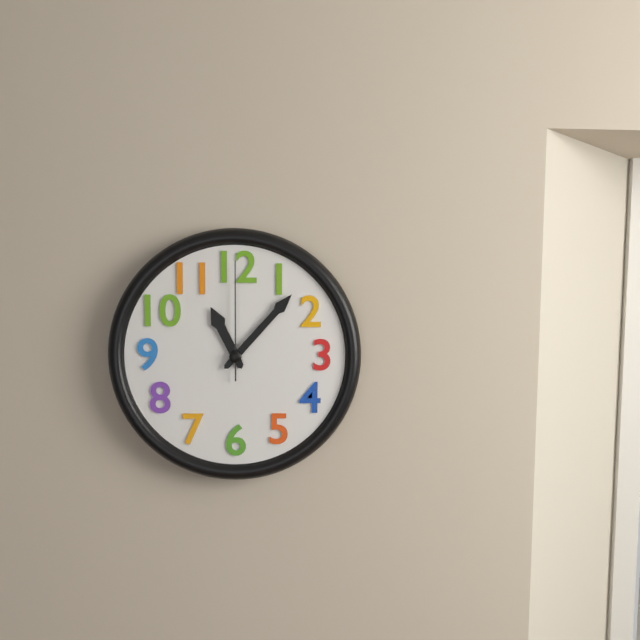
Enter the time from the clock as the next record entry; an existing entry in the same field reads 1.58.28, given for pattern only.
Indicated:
11.07.00
